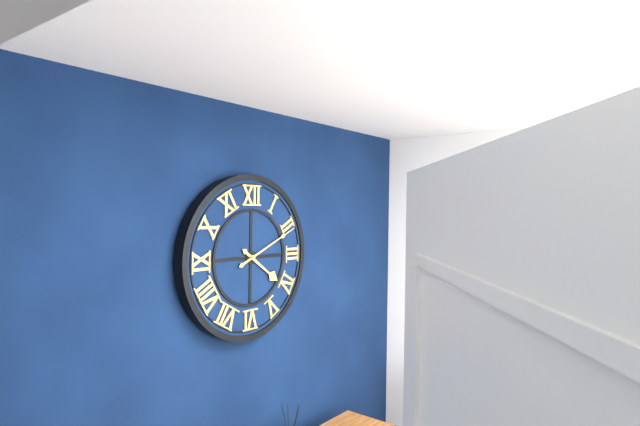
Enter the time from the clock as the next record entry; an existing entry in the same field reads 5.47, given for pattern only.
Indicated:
4.11
